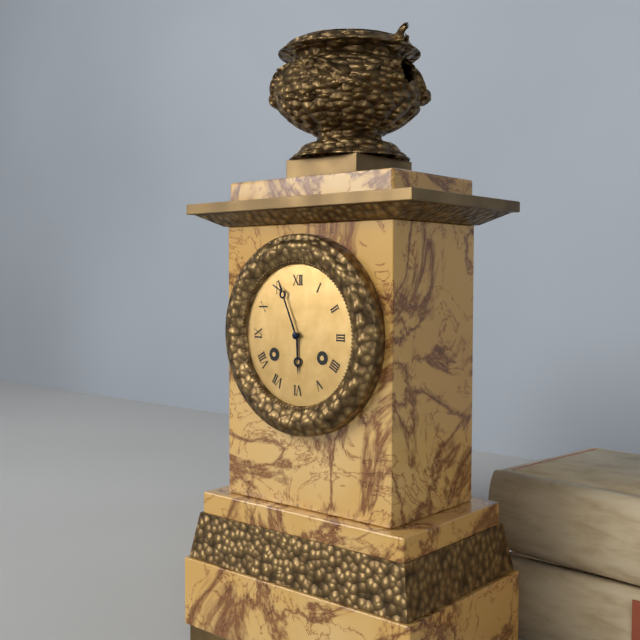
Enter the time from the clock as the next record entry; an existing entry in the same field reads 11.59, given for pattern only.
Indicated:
5.56
